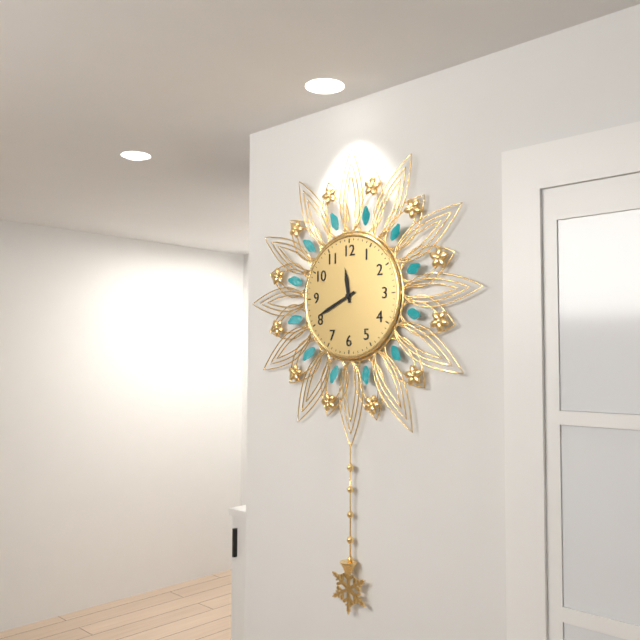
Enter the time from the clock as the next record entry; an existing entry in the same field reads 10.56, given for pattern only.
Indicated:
11.41
